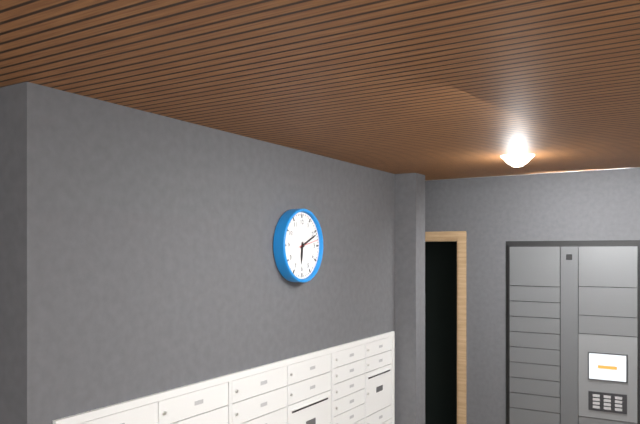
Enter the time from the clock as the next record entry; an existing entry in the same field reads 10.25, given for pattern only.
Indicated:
6.11
